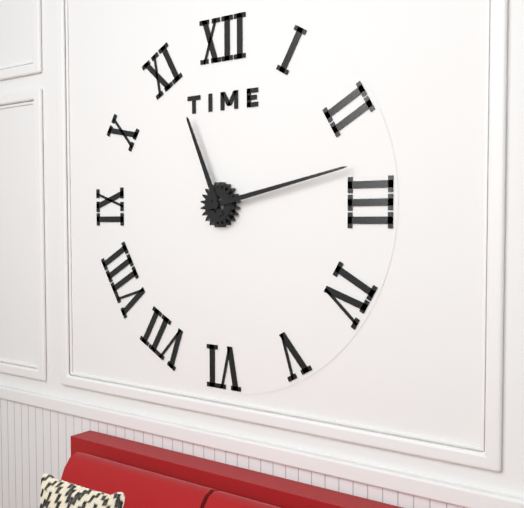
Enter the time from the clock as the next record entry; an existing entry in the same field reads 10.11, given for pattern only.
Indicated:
11.13
